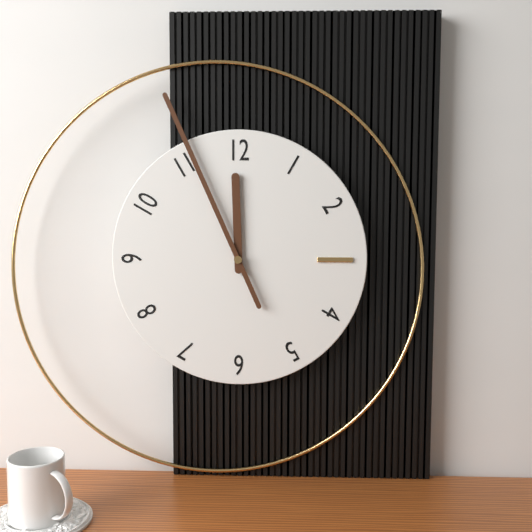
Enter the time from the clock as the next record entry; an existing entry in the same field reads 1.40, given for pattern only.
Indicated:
11.56
